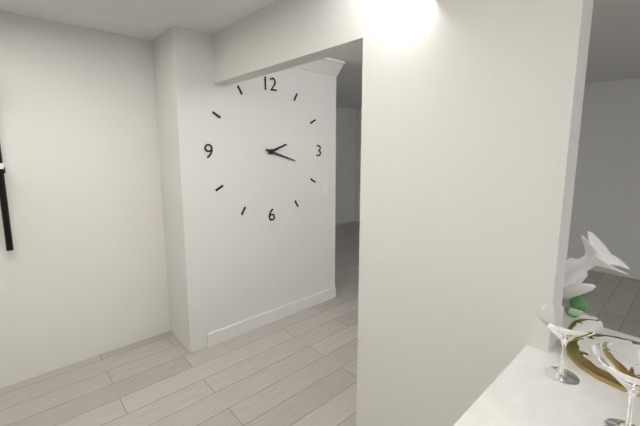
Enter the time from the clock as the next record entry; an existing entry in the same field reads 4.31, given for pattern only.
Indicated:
2.18
